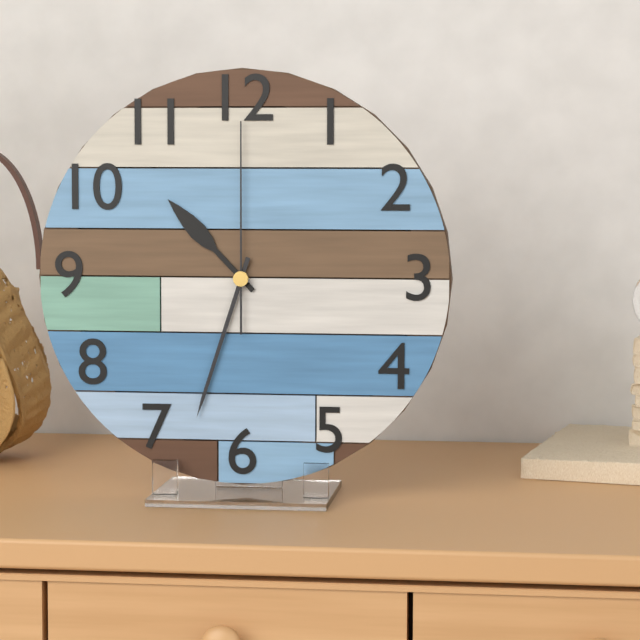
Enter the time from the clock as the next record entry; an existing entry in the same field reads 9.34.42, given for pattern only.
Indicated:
10.33.00
